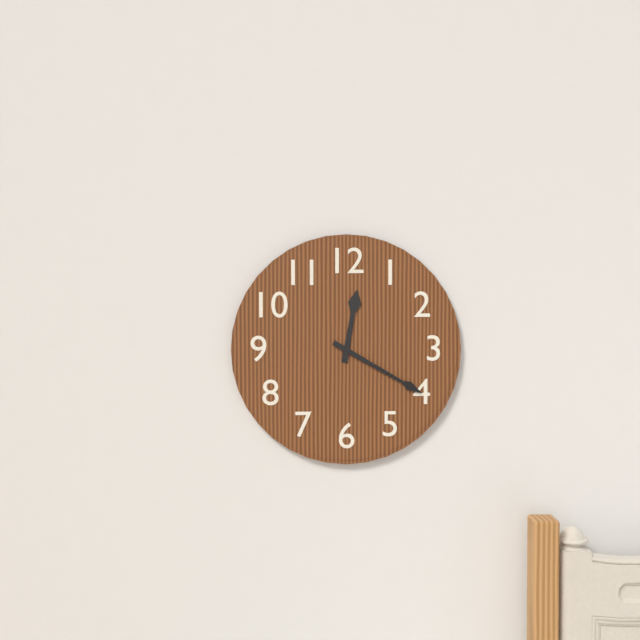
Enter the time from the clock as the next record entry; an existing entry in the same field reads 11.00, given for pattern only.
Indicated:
12.20
